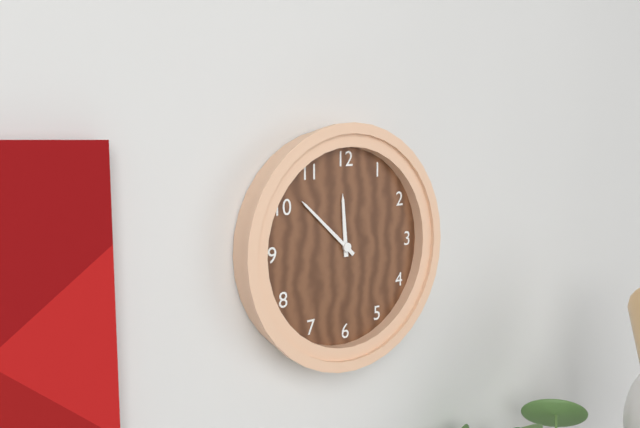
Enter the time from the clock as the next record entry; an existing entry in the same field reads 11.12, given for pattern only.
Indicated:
11.52
